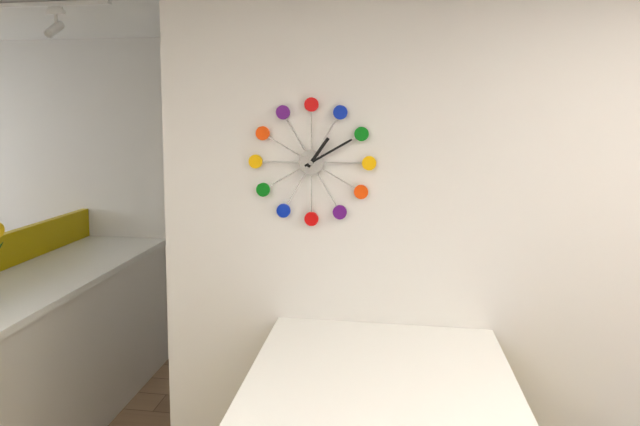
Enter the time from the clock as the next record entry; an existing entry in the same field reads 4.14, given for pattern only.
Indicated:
1.10
